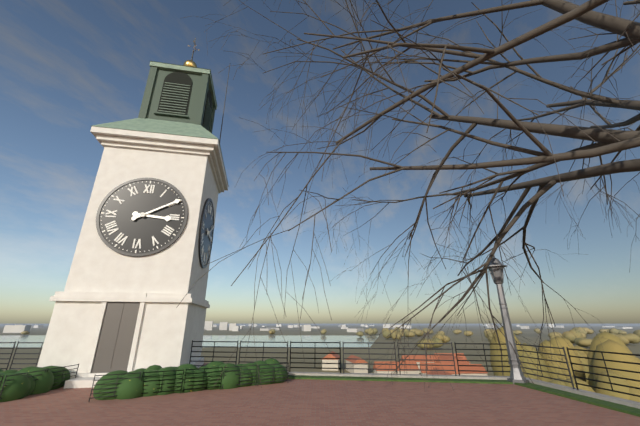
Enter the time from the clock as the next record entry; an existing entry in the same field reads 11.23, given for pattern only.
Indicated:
3.10
